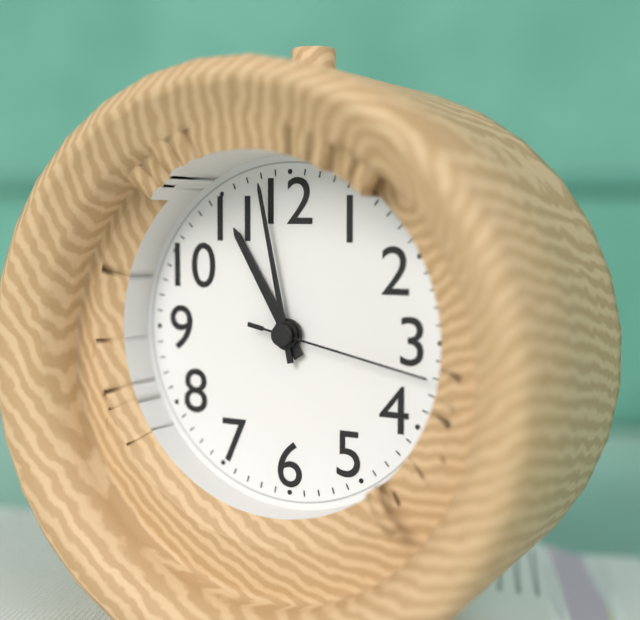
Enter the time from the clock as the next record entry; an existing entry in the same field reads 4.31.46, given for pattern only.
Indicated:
10.58.17
